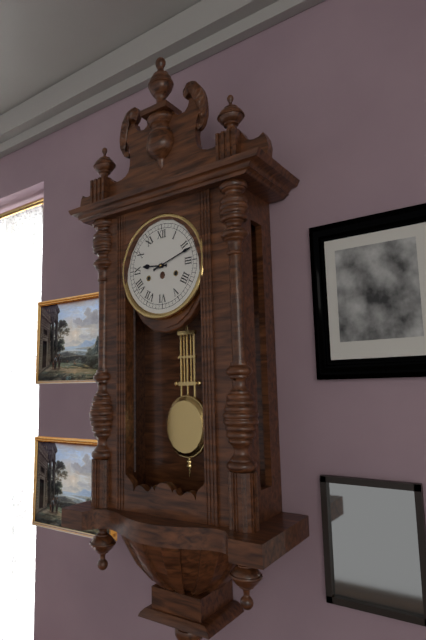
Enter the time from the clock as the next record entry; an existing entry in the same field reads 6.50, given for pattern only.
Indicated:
9.12
